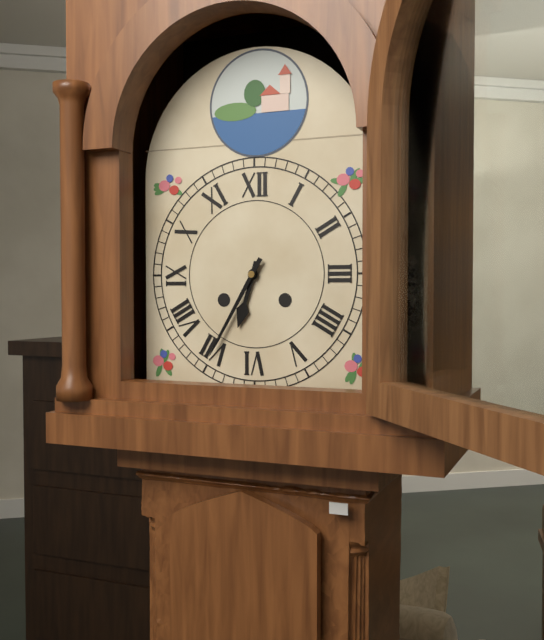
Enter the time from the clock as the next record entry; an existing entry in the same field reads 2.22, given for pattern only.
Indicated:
6.35
